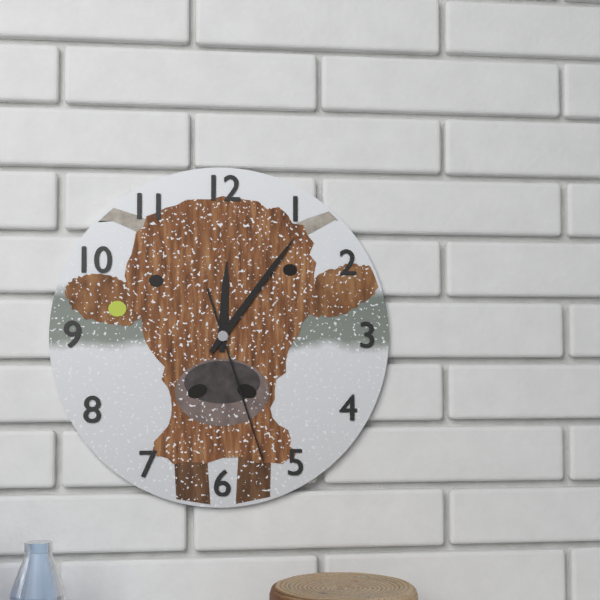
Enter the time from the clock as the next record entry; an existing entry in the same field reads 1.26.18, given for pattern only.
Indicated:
12.06.27
